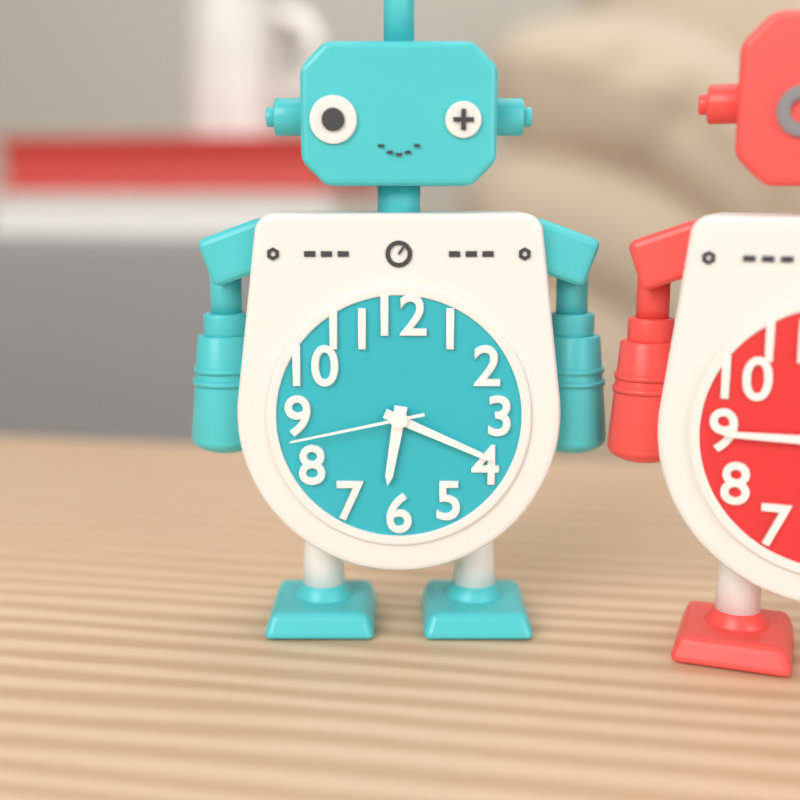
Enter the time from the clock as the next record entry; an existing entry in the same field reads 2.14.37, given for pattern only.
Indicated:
6.19.43
